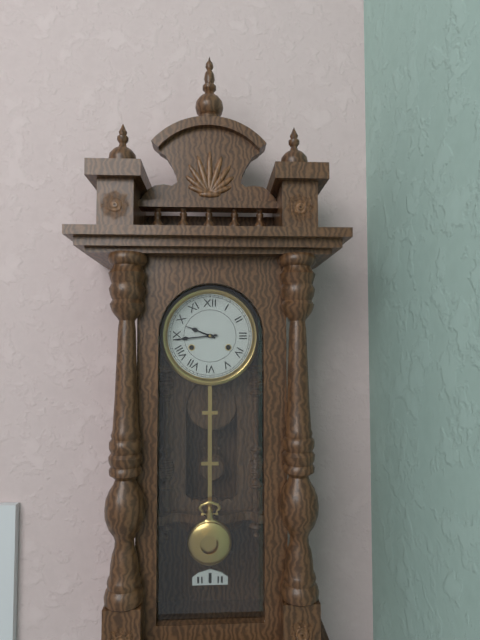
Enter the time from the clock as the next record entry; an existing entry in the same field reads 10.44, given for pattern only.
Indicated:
9.44
